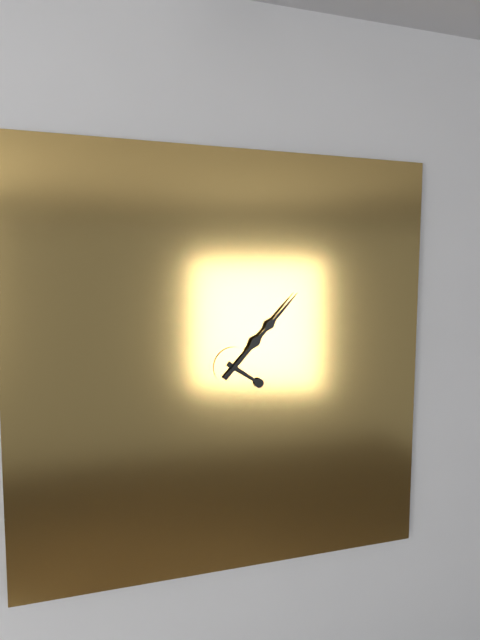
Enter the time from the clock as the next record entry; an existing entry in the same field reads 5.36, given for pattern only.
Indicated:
4.07
